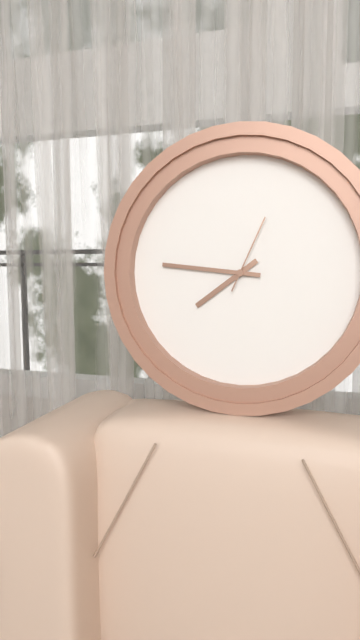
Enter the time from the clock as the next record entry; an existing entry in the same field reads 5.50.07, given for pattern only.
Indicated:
7.46.04
